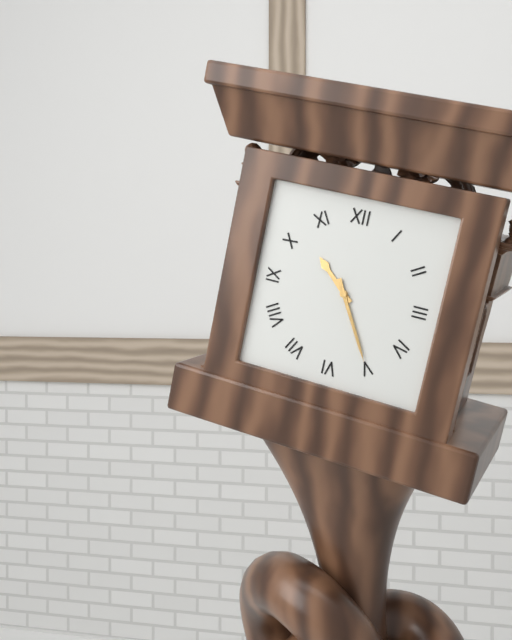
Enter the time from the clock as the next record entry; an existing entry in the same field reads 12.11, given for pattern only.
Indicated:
10.25
